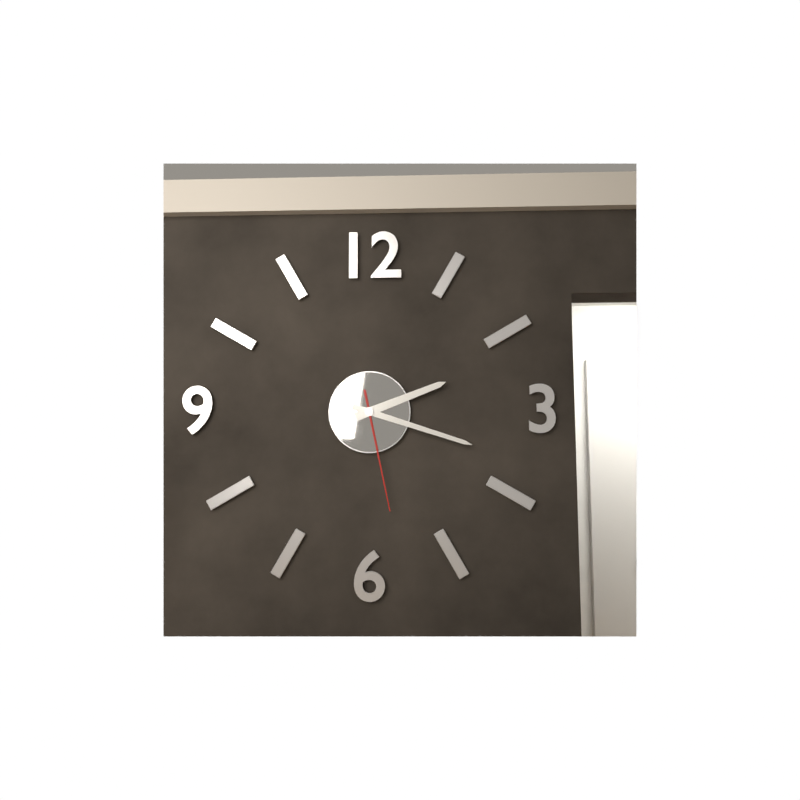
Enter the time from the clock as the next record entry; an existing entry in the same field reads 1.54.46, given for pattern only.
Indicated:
2.18.28
